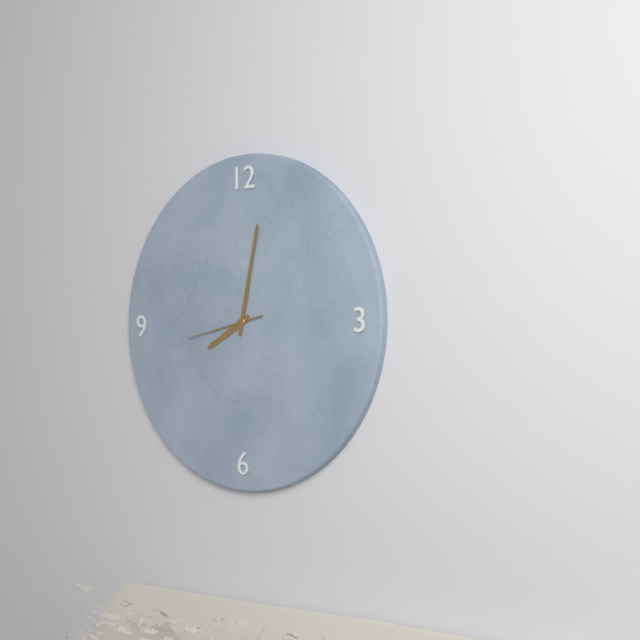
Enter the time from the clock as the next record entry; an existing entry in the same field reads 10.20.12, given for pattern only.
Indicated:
8.02.43
